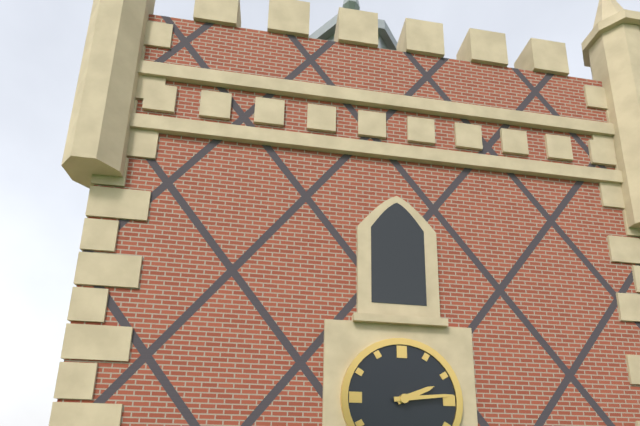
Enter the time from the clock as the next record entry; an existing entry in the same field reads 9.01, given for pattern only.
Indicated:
2.14
